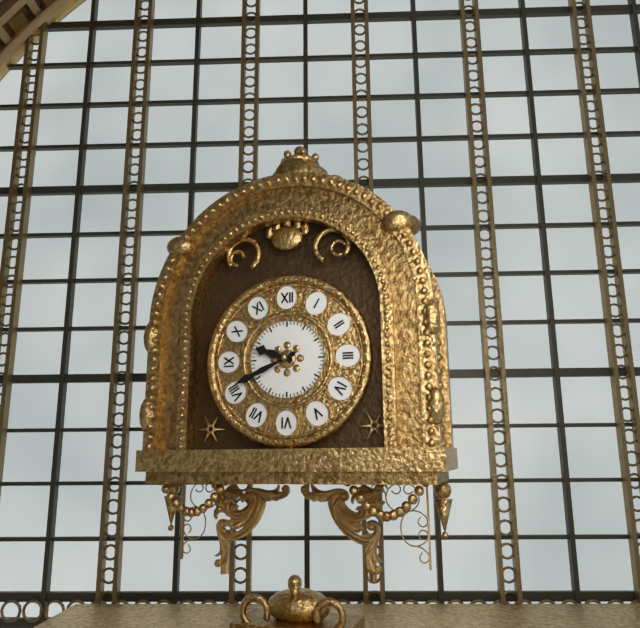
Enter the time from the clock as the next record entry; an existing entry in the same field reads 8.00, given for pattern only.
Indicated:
9.41
